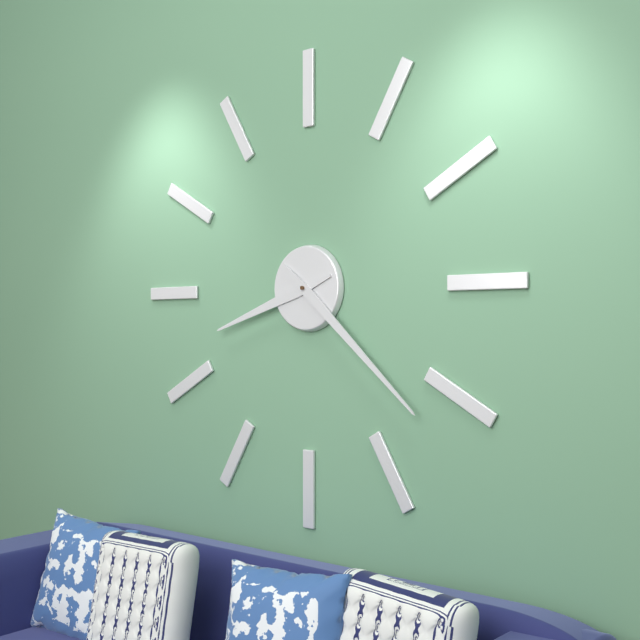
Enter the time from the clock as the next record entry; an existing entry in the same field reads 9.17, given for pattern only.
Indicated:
8.22
